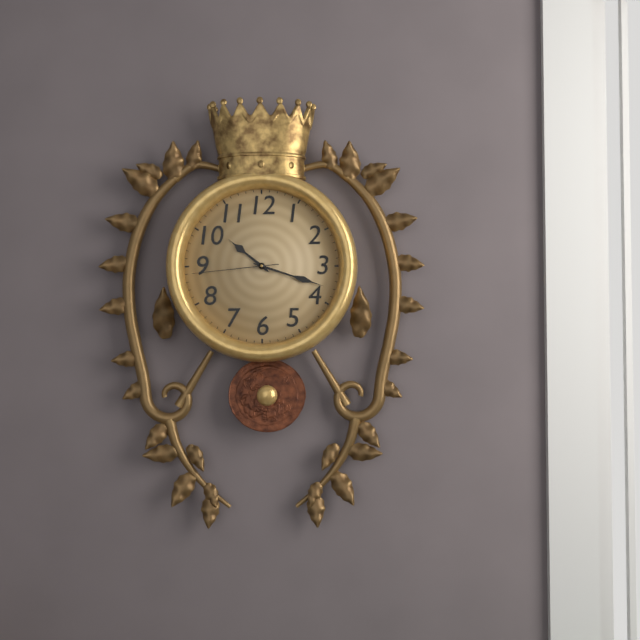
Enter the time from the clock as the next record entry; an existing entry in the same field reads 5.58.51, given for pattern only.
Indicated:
10.18.44
